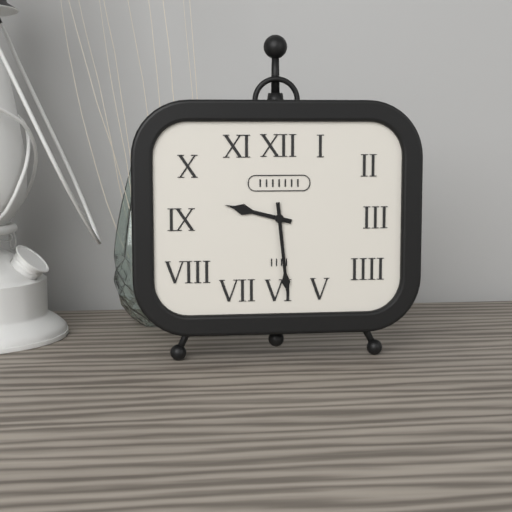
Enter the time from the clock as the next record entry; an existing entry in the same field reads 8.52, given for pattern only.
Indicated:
9.29
